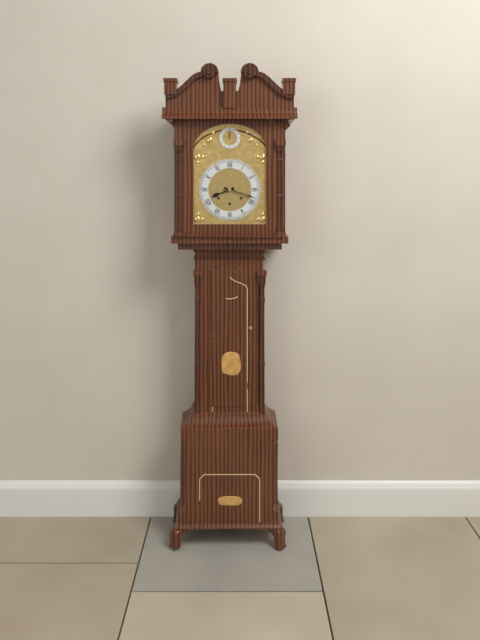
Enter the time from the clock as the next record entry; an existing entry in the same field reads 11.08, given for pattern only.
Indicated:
8.18
